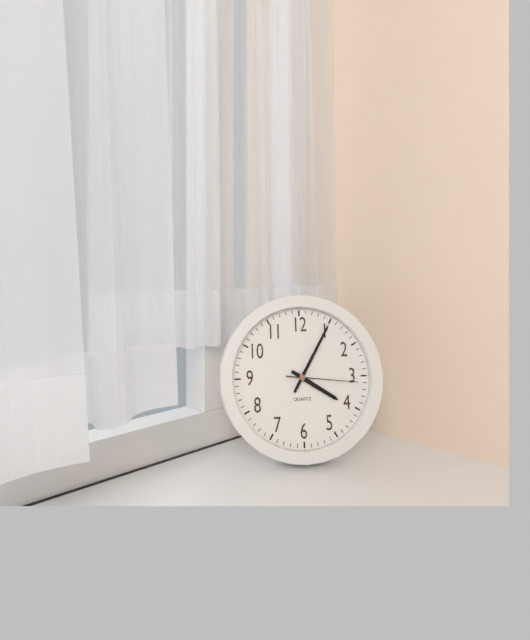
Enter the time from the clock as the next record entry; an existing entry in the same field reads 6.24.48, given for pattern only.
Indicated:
4.05.16
